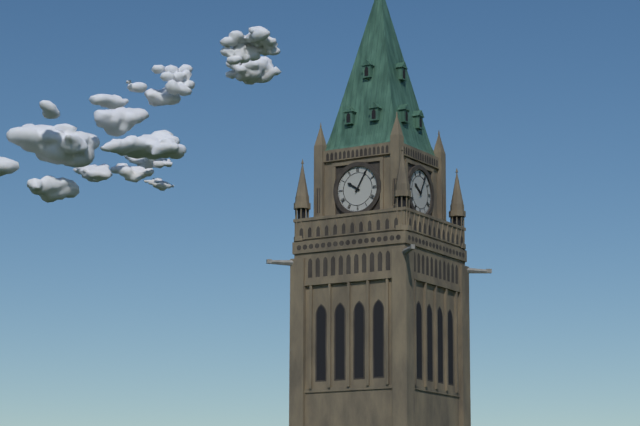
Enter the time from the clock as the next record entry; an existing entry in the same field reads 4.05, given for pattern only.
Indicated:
10.05
